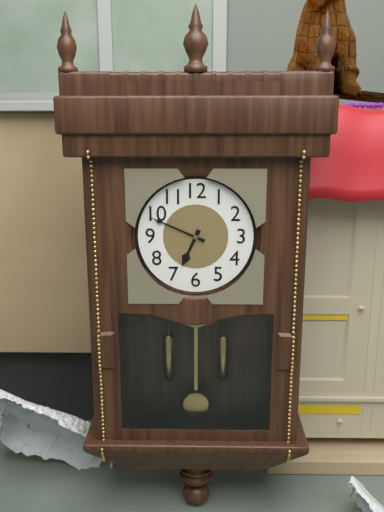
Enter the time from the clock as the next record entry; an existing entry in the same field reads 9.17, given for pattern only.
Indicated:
6.49
